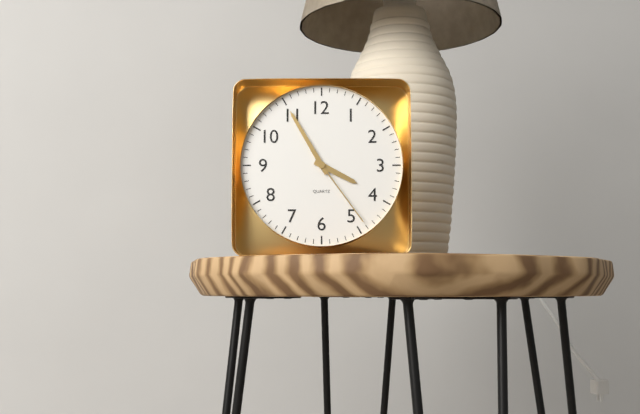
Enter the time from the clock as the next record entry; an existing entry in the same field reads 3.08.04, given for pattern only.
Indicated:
3.55.24
